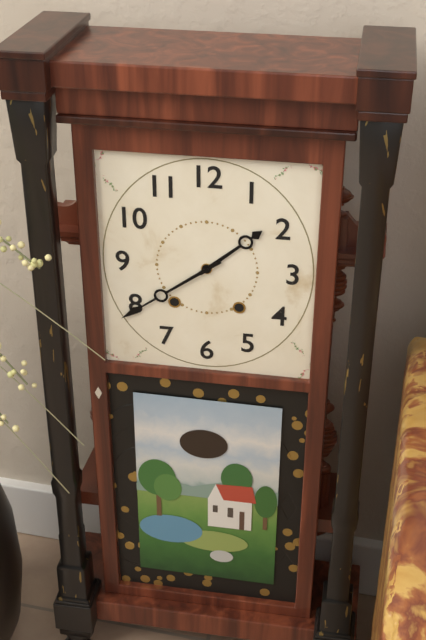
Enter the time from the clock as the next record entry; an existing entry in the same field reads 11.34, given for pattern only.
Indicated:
1.39
